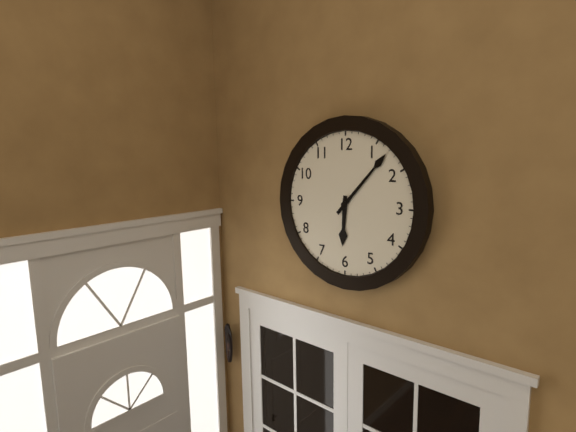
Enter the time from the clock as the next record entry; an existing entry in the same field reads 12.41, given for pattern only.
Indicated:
6.07
